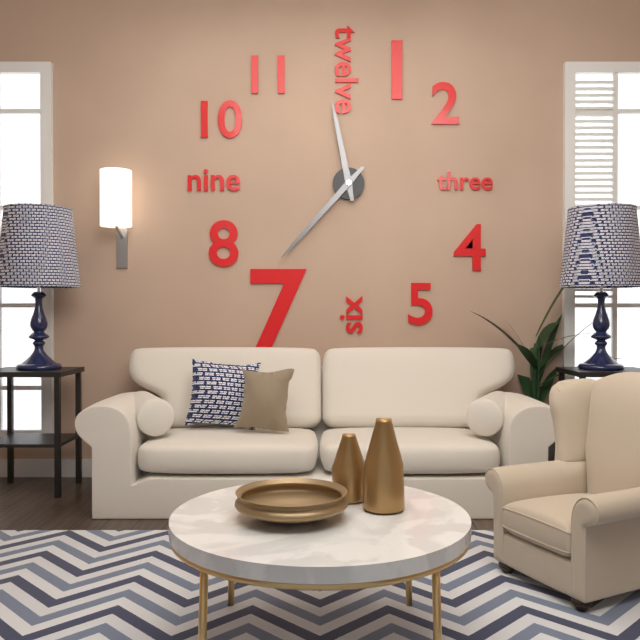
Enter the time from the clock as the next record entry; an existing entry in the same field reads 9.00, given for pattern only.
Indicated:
11.37
